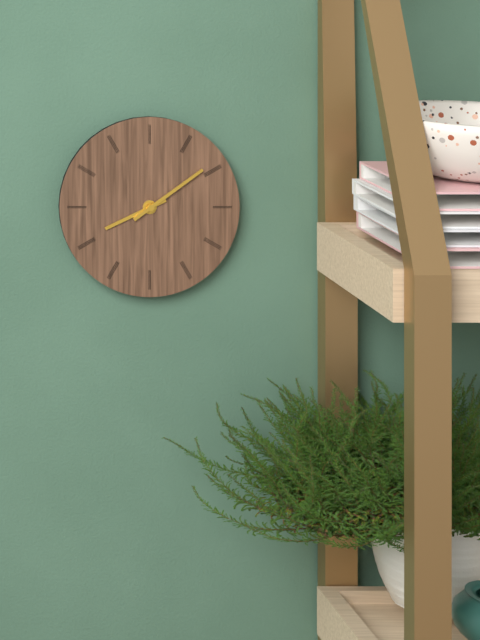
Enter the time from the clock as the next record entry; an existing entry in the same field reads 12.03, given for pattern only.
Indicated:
8.09
